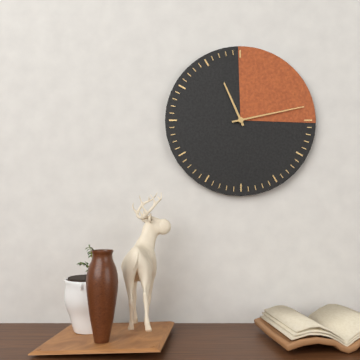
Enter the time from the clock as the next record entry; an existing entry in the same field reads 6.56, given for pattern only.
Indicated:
11.13
